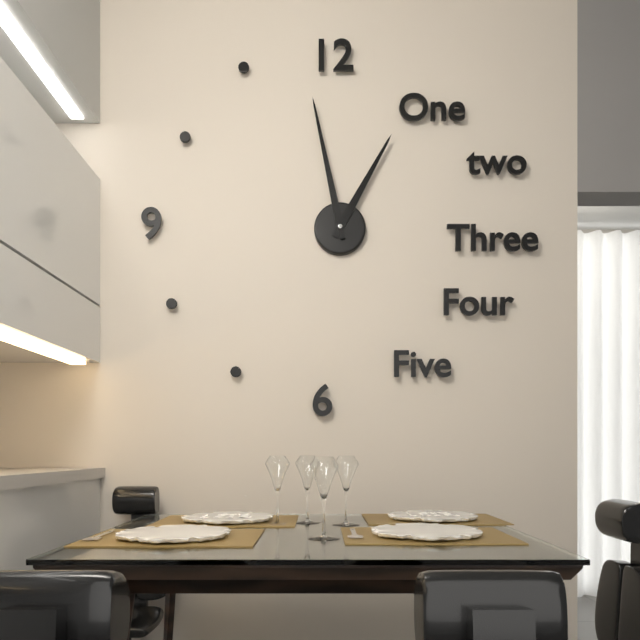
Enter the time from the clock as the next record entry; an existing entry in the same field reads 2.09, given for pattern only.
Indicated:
12.58
